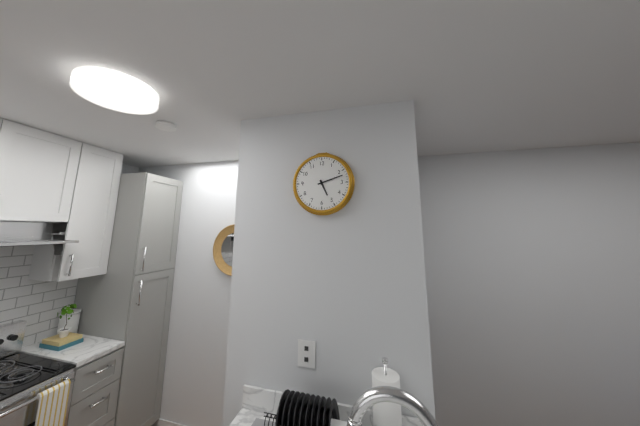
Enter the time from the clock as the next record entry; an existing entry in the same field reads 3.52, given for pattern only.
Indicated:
5.12
